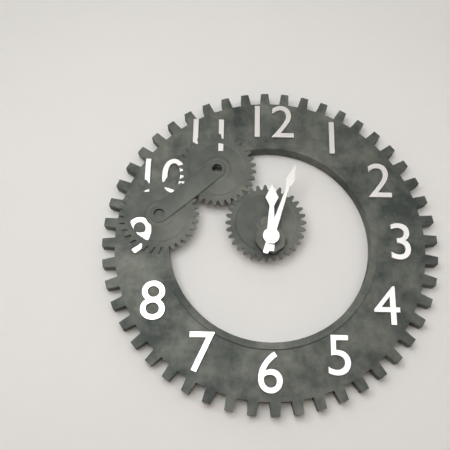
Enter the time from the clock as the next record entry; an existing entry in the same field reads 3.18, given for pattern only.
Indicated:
12.03
